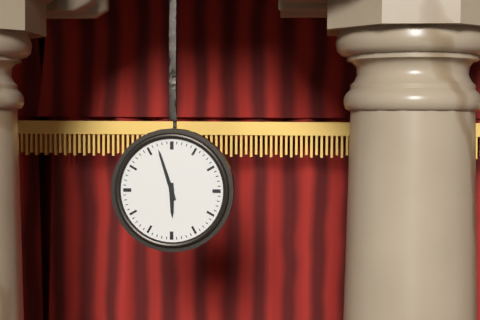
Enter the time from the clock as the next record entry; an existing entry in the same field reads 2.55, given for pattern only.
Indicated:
5.57
